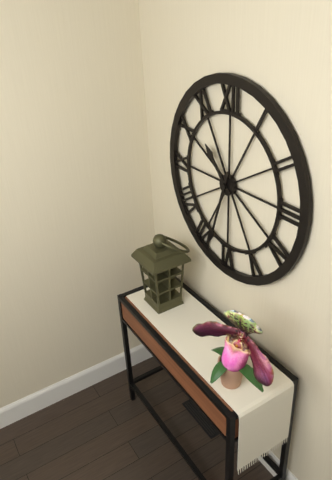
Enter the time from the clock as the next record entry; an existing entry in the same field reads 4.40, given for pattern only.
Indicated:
10.33
